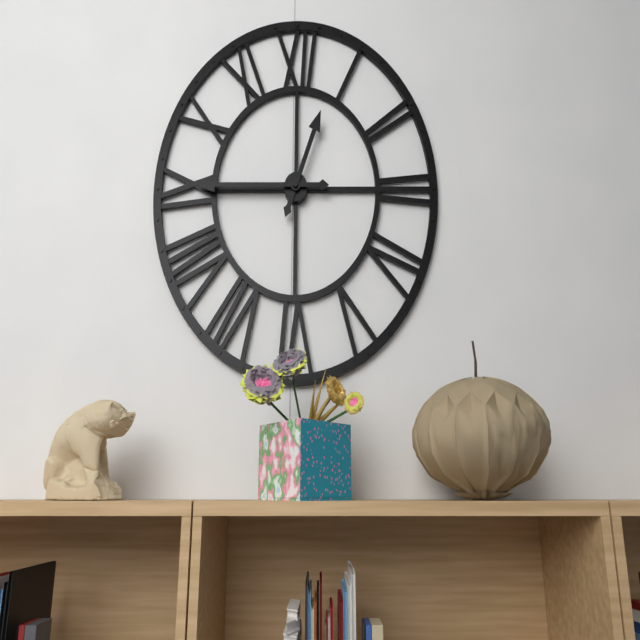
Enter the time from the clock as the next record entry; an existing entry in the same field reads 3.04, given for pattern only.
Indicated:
12.45
